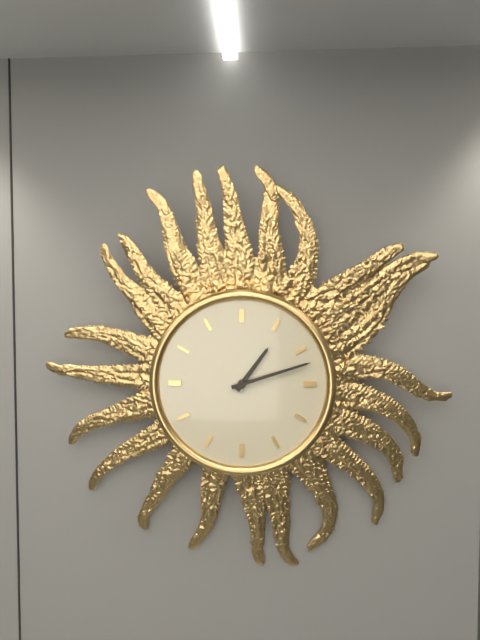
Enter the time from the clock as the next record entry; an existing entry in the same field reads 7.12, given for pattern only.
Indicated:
1.12
